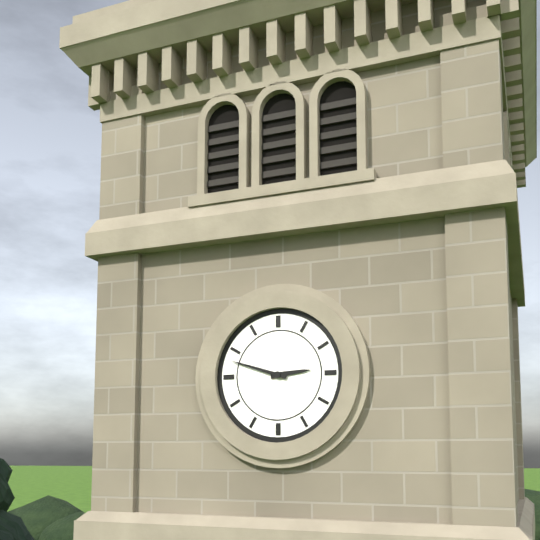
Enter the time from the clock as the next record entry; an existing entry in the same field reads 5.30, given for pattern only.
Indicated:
2.48
